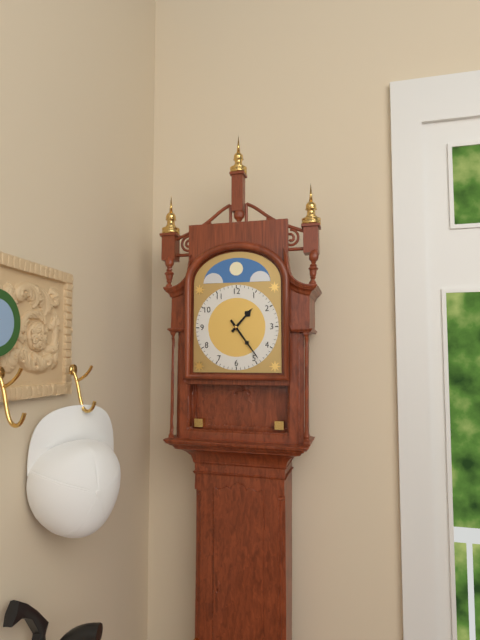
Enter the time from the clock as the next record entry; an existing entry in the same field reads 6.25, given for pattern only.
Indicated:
1.24
